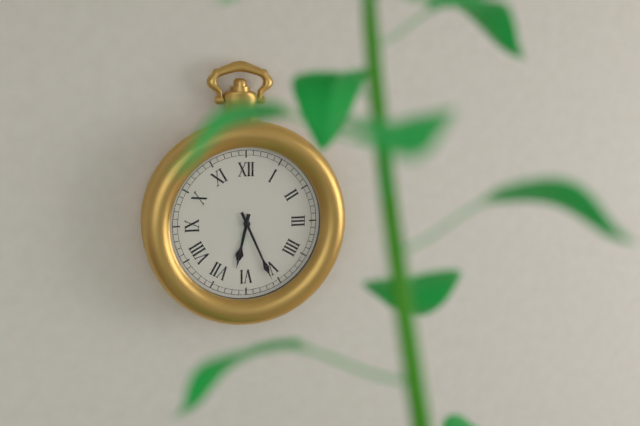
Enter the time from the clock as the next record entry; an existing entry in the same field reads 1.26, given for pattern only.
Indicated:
6.26
